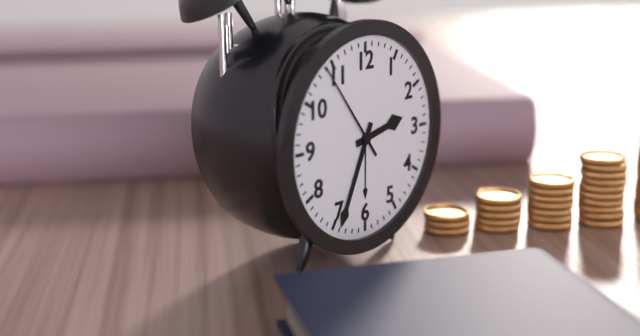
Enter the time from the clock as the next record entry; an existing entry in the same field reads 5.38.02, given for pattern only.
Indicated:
2.34.54
